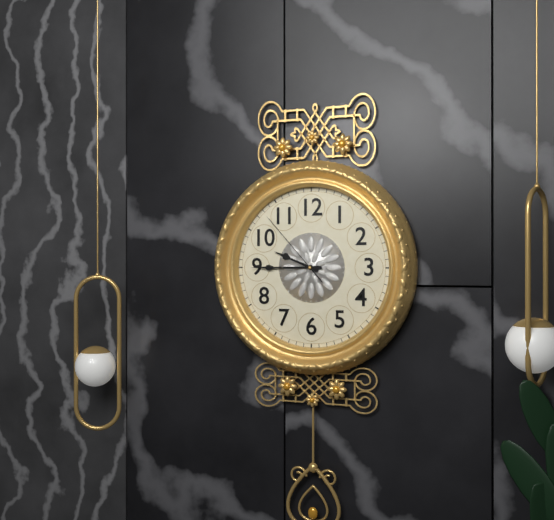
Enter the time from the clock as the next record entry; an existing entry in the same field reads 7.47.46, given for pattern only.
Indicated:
9.45.53
